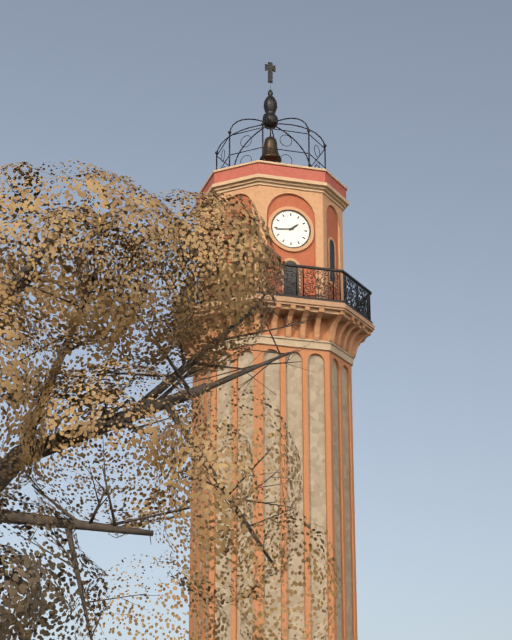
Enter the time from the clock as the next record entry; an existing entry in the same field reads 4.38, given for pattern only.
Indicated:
1.44
